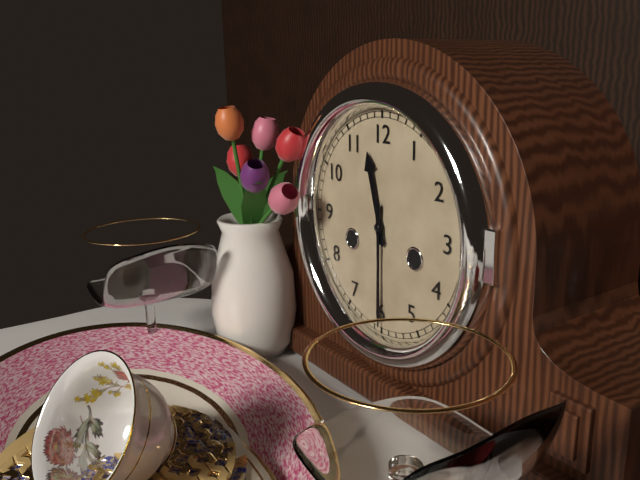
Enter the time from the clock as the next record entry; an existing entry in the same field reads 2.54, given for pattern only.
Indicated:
11.30
